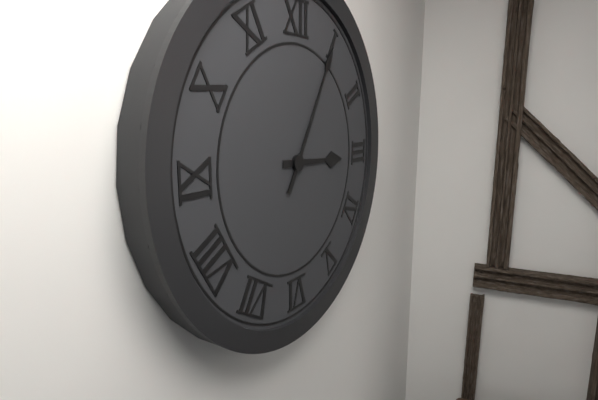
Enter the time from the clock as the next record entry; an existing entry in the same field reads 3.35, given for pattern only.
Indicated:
3.05
